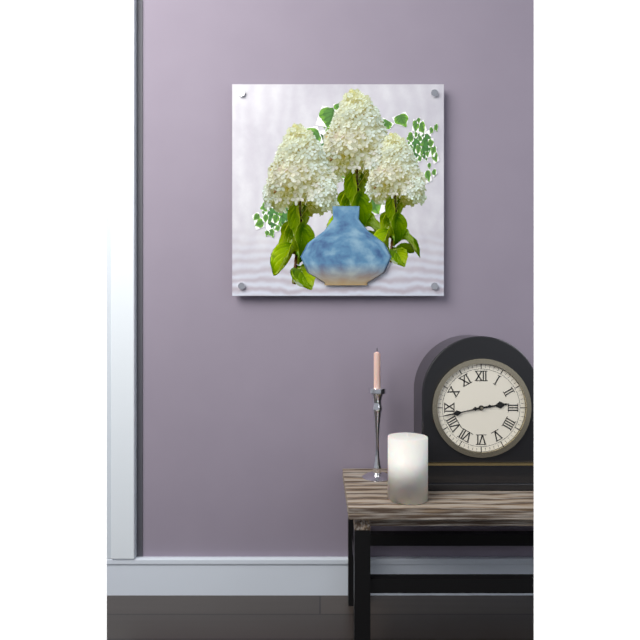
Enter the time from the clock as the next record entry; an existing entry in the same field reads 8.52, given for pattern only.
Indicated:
2.43
